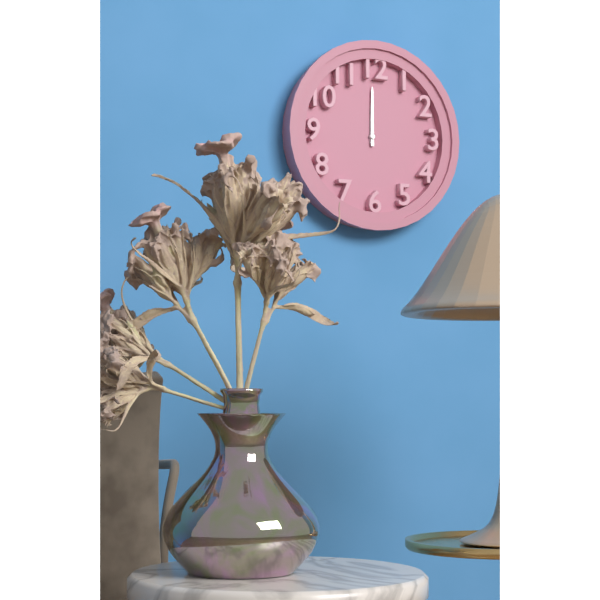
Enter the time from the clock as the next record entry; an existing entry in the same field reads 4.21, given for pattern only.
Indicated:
12.00
